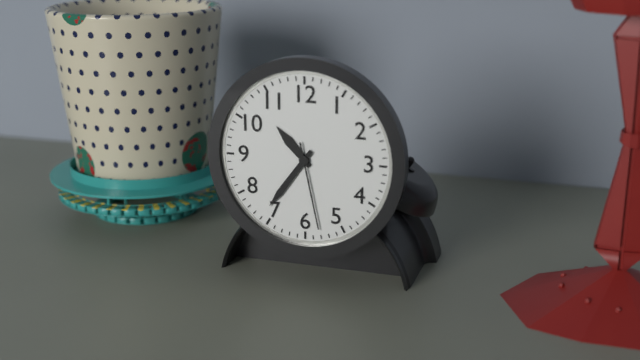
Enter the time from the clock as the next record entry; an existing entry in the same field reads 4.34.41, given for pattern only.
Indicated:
10.36.28
